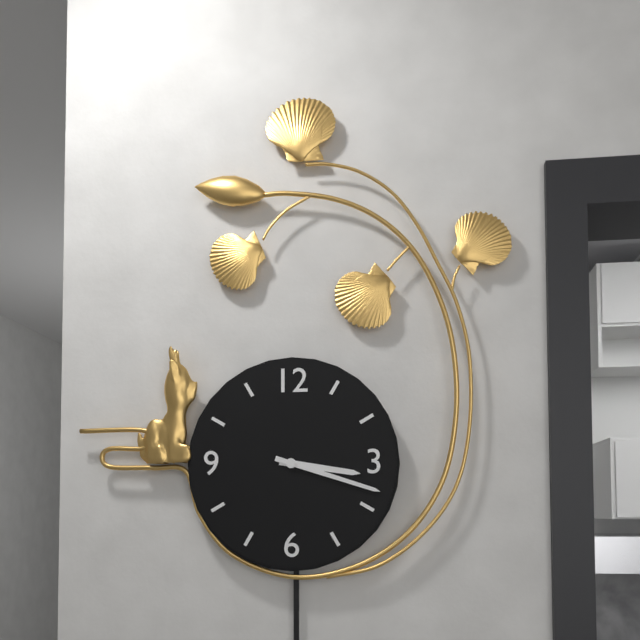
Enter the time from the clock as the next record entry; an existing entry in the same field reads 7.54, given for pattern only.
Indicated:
3.18
